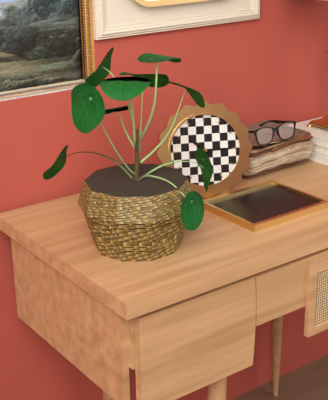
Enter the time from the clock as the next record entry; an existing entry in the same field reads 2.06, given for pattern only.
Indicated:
10.15
